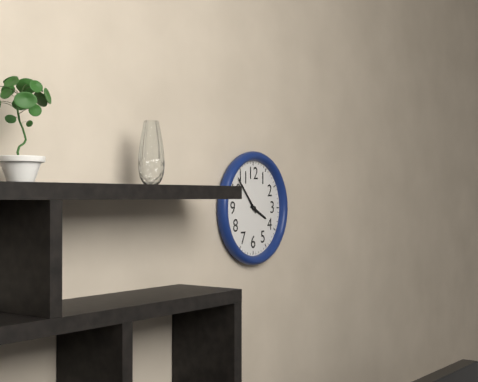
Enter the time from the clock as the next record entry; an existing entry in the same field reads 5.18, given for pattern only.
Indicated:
3.53
